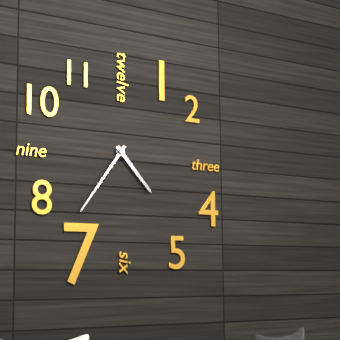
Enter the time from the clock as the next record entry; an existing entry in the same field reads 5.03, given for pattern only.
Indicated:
4.36
